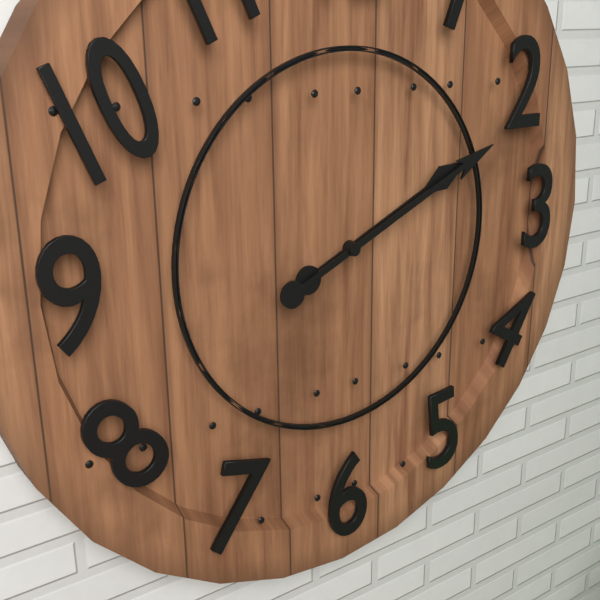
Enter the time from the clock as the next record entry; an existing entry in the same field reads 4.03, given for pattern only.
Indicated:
2.11
